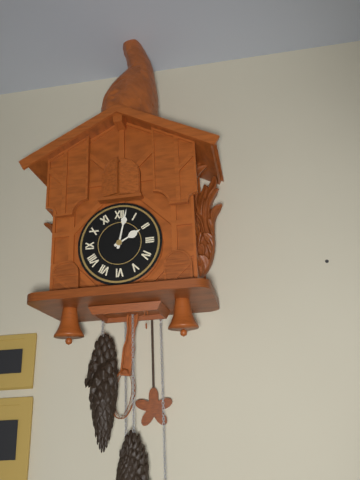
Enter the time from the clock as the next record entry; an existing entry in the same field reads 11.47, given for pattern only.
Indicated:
2.02
